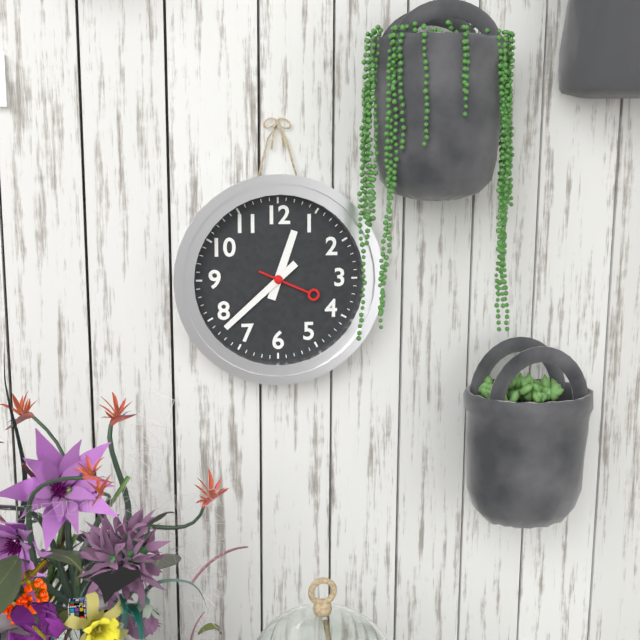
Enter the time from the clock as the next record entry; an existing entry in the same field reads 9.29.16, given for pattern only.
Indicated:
12.38.19
